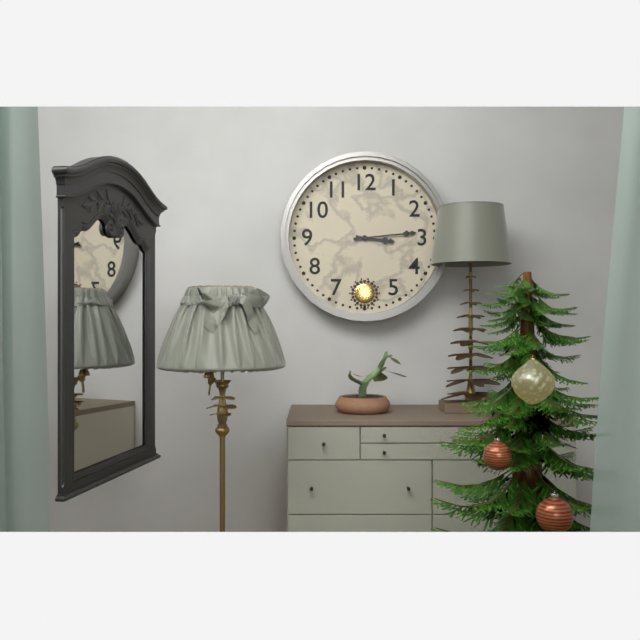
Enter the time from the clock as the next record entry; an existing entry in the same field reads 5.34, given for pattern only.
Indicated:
3.14
